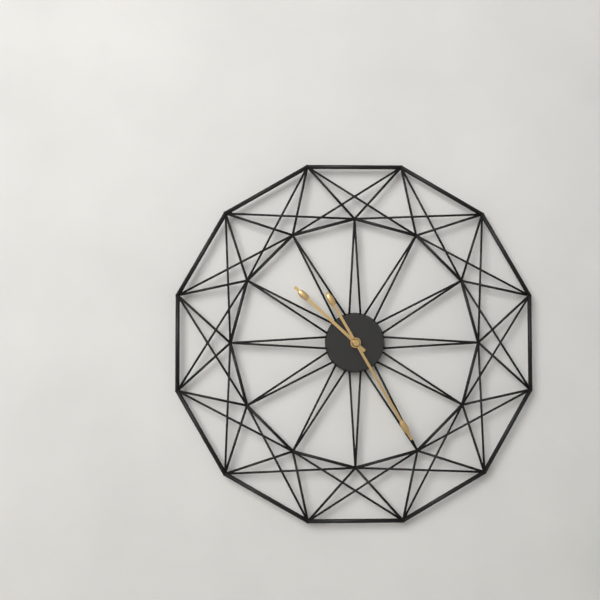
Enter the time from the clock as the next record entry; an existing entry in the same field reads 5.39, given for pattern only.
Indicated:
10.25
